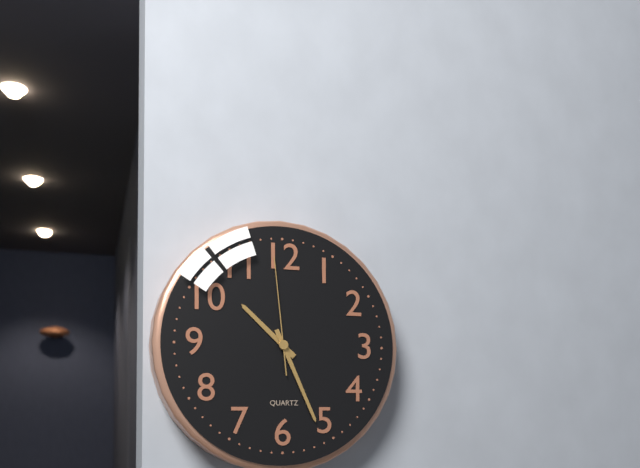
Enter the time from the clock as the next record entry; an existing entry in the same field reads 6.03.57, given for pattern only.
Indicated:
10.26.59
